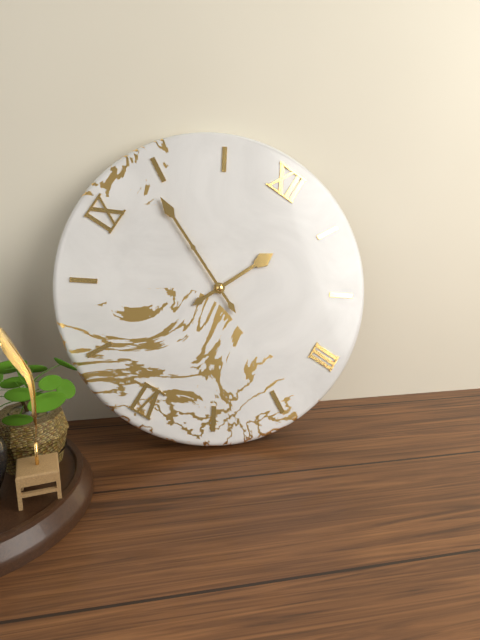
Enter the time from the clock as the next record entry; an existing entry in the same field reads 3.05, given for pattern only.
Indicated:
12.49
